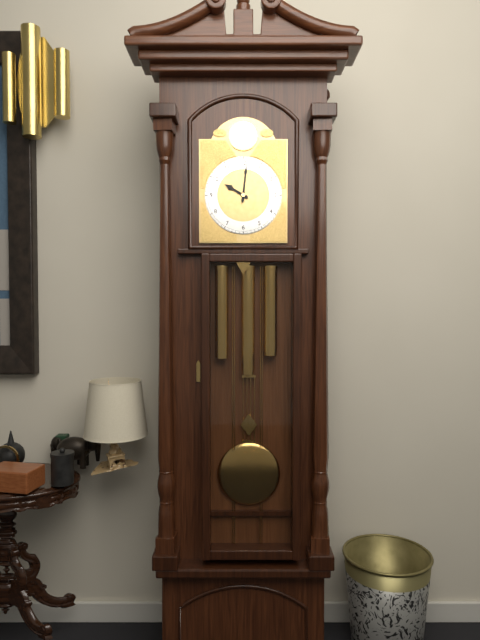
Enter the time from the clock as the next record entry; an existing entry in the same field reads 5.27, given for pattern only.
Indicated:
10.01
